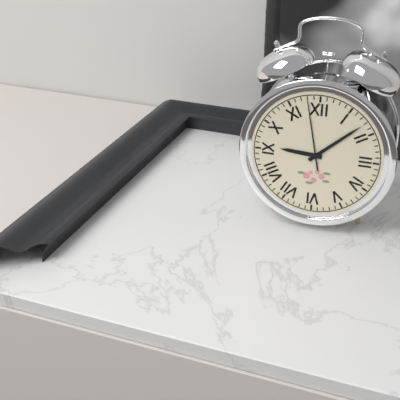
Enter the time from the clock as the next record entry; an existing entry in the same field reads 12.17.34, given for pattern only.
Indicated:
9.08.58
